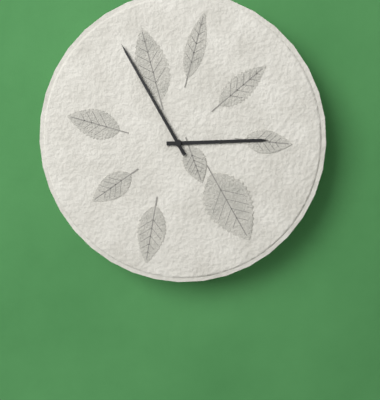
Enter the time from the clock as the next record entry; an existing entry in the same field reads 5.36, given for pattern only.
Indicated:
2.55
